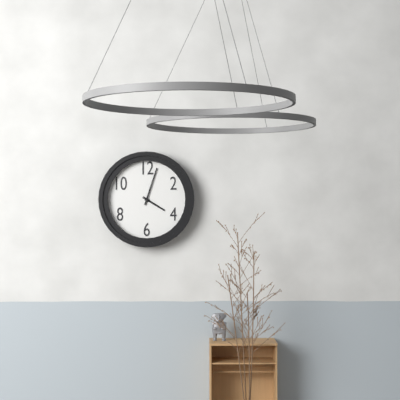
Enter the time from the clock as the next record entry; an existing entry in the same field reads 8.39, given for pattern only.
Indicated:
4.03
